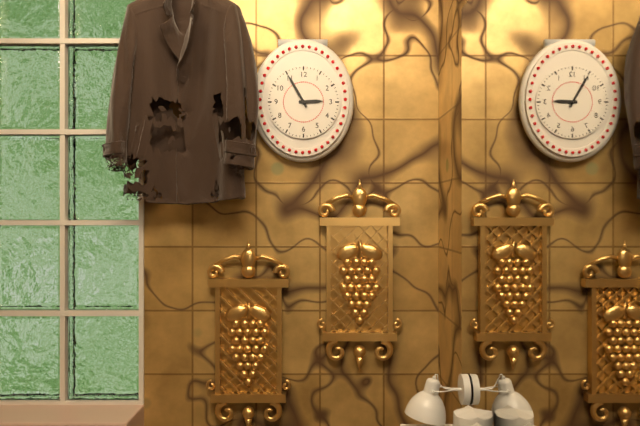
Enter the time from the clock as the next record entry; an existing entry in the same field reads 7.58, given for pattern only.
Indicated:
2.55
